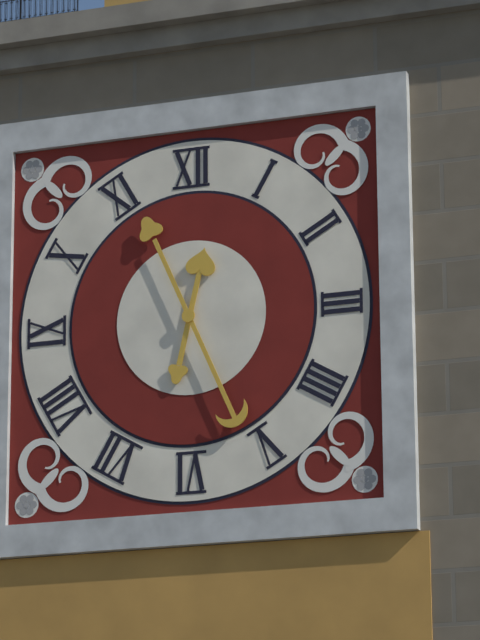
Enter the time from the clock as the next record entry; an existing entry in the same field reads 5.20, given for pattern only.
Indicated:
12.26
